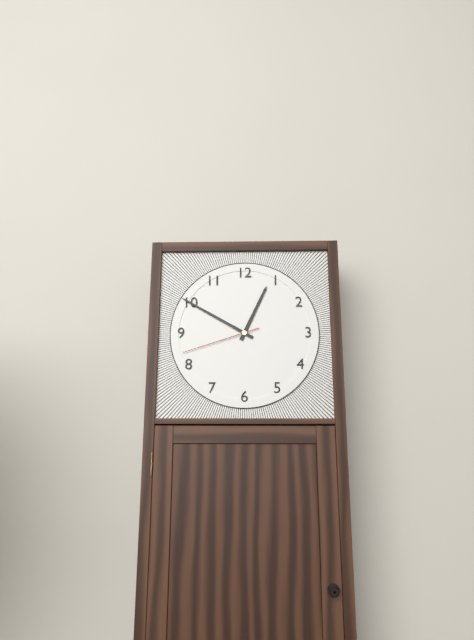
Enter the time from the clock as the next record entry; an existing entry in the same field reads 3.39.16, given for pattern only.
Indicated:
12.50.42
